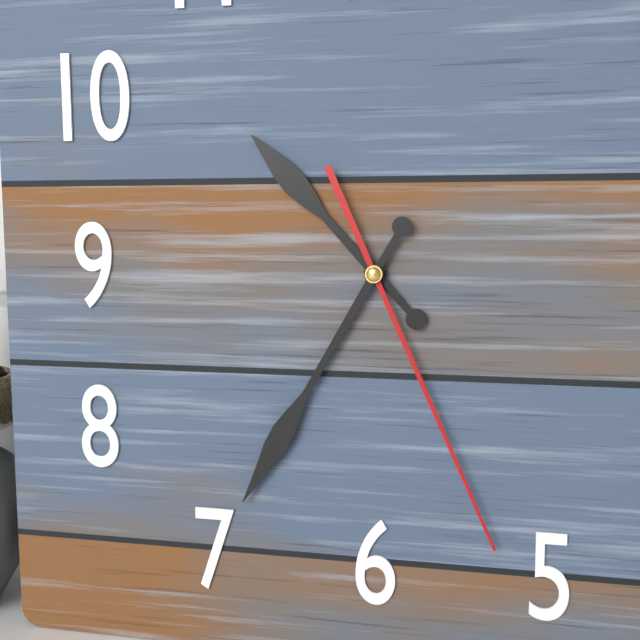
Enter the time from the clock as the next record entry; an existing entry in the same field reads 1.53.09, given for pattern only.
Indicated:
10.35.26
